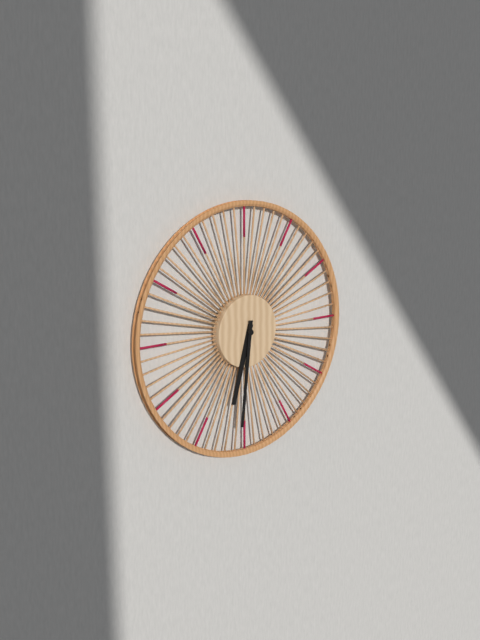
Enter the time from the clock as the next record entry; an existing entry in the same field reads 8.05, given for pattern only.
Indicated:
6.31
